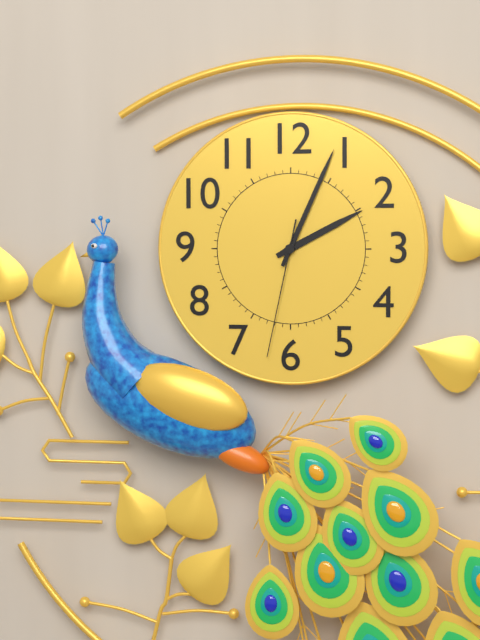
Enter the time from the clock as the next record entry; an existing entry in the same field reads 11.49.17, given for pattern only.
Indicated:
2.04.32
